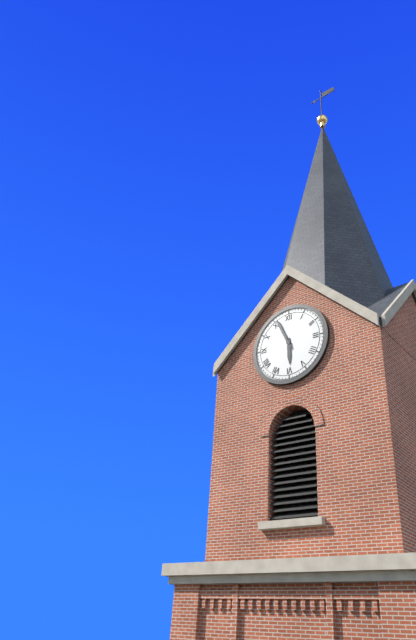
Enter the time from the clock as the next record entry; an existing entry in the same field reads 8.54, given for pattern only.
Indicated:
5.56
